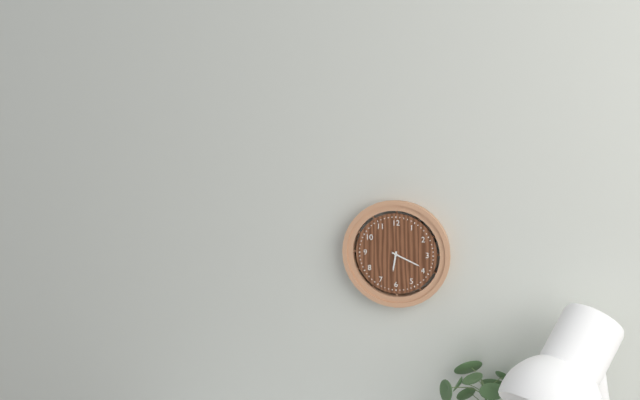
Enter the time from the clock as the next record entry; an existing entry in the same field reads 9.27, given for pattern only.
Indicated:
6.19
